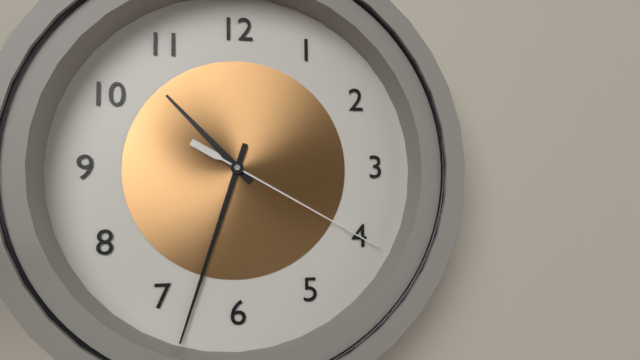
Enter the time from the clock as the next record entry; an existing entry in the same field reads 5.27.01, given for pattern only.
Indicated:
10.33.20
